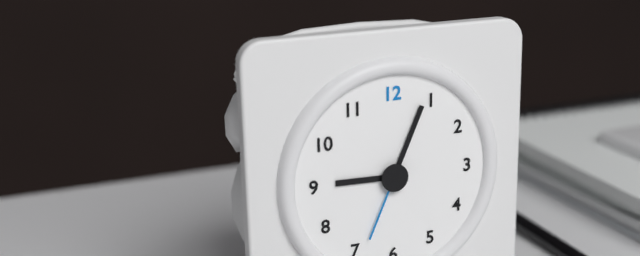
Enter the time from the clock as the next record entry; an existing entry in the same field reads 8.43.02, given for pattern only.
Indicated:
9.04.34
